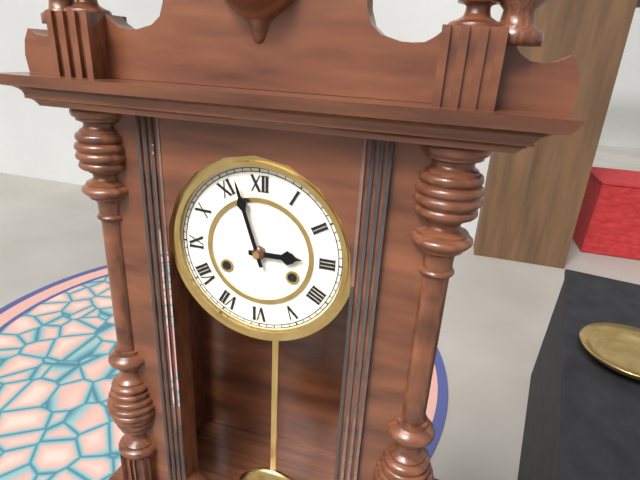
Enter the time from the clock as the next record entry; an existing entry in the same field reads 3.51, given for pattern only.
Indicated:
2.57
